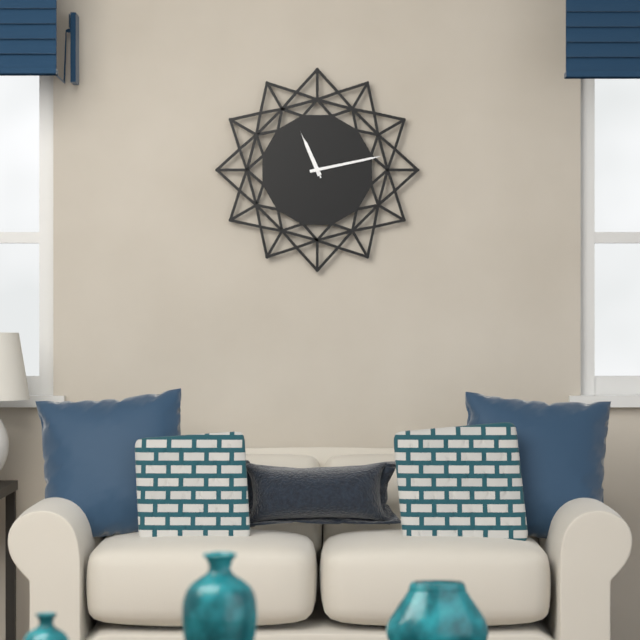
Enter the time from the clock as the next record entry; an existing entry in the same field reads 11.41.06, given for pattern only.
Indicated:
11.13.56
